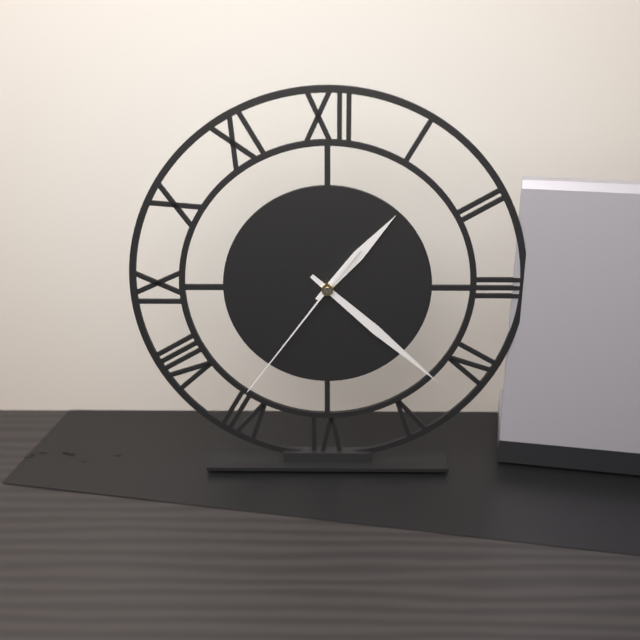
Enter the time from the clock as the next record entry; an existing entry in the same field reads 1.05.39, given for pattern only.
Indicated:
1.22.36
